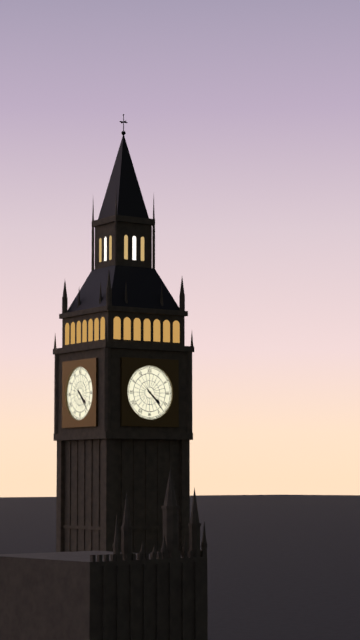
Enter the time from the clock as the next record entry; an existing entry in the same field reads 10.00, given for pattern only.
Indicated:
4.23
